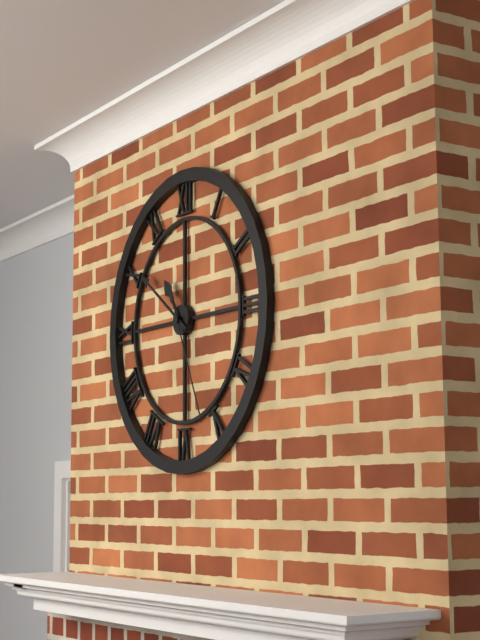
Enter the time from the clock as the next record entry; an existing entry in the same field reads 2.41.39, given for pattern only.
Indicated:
10.51.26
